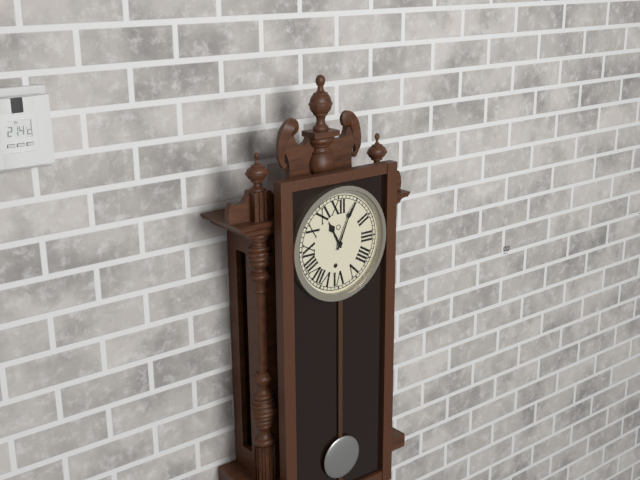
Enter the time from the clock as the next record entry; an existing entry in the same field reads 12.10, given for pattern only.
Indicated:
11.04
